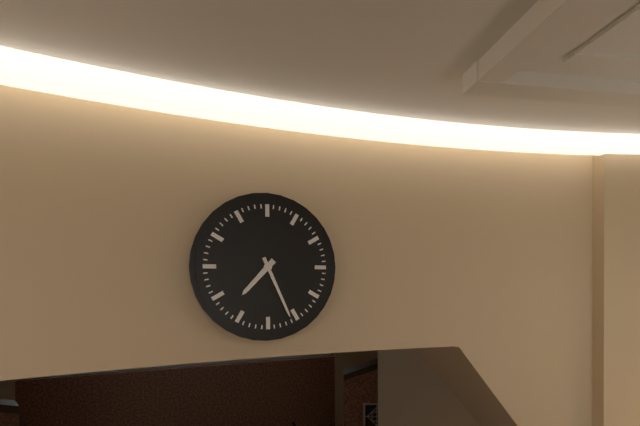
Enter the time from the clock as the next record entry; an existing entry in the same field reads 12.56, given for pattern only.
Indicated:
7.26
